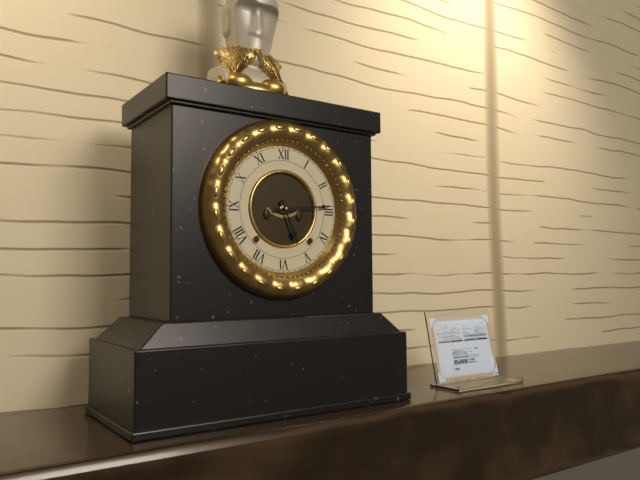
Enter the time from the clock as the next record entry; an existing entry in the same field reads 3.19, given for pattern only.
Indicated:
5.14
